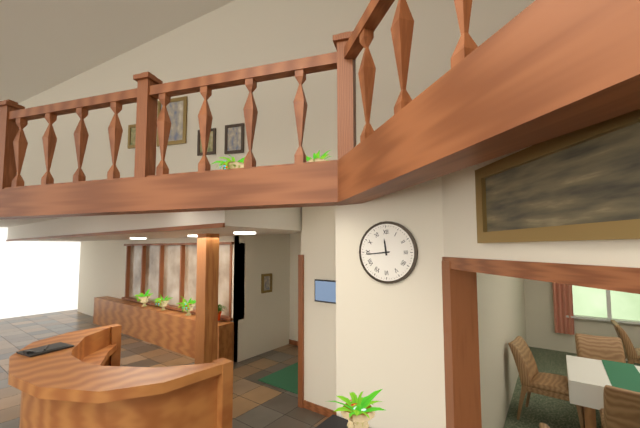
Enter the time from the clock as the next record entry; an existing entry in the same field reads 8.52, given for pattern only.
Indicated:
11.44
